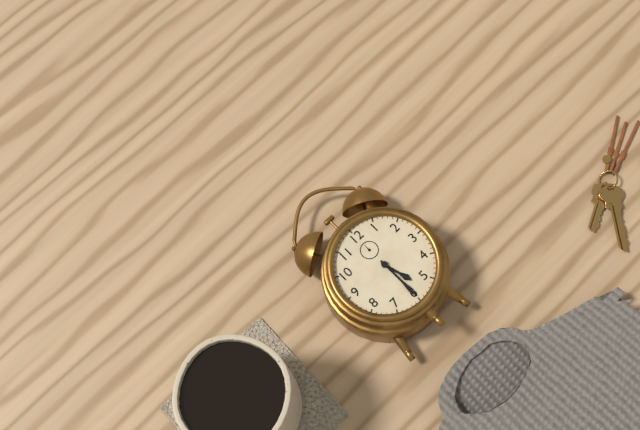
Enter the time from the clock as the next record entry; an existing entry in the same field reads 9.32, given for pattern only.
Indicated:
5.30
